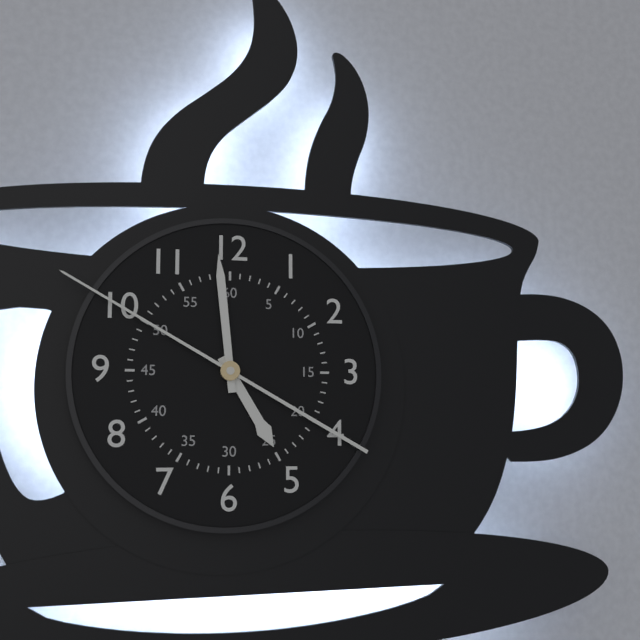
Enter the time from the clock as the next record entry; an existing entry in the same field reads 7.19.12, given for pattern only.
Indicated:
4.59.50
